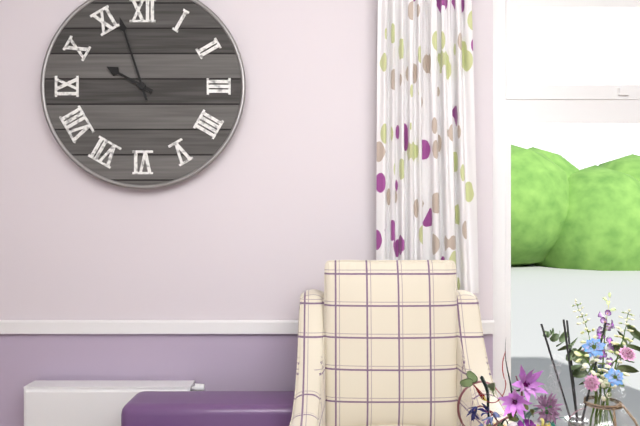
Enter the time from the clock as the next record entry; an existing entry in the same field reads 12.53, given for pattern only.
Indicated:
9.57
